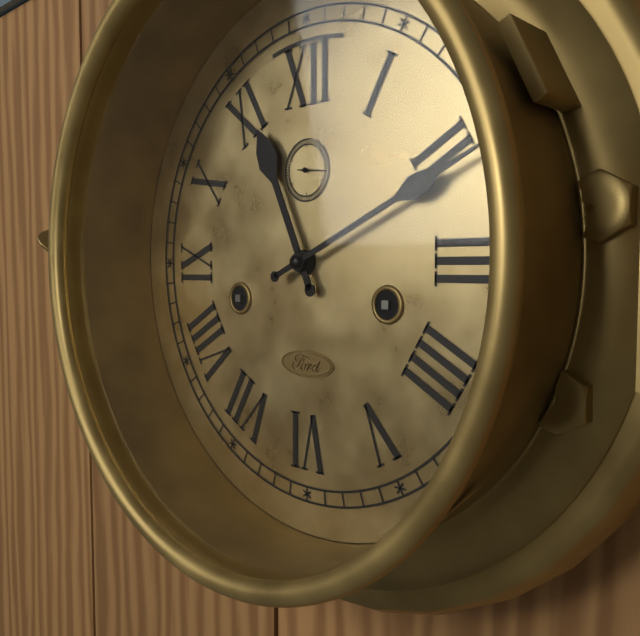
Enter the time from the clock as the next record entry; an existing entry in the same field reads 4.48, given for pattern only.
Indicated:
11.11
